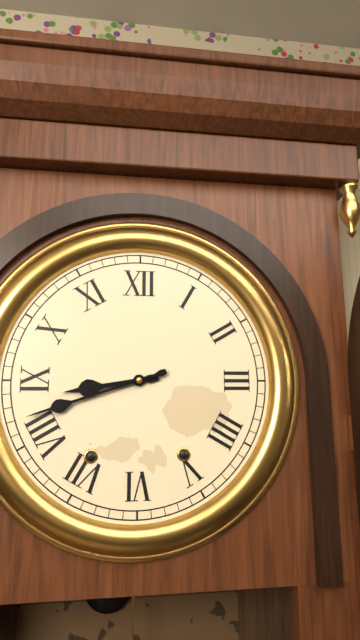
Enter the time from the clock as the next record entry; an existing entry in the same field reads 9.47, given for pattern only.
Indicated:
8.42
